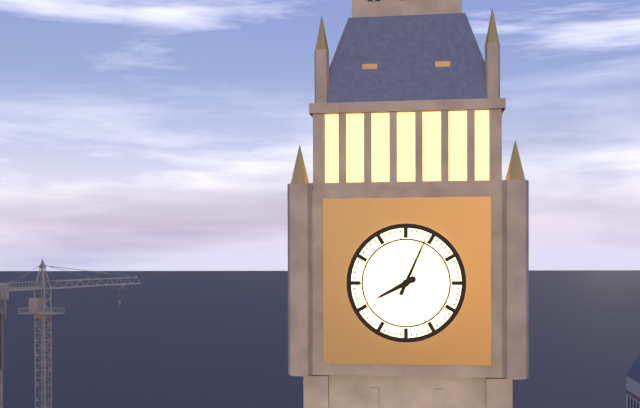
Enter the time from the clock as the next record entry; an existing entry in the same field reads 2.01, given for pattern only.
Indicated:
8.04
